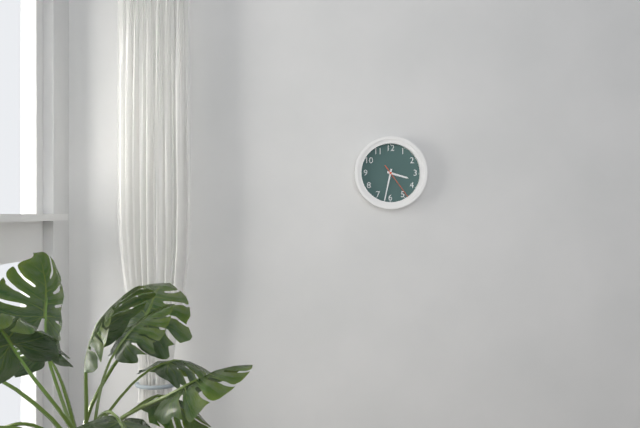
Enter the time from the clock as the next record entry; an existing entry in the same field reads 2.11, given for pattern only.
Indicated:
3.32
